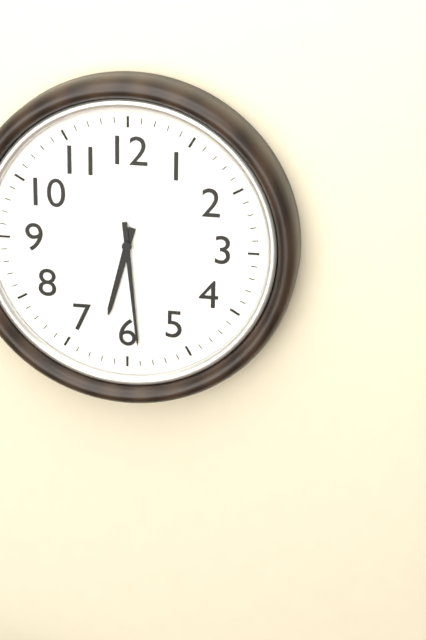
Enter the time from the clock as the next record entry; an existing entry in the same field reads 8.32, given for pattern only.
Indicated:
6.29
